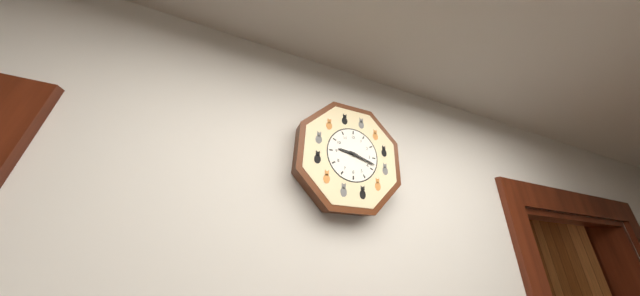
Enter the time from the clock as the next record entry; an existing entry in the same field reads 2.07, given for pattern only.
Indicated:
9.18
